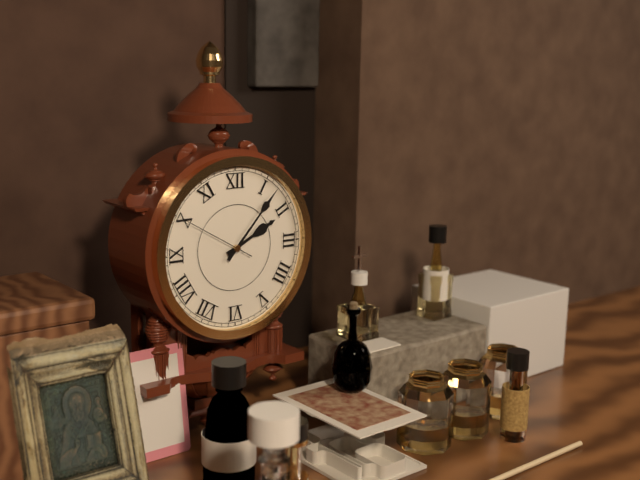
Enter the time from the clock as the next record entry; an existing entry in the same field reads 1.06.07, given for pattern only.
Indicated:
2.07.50
